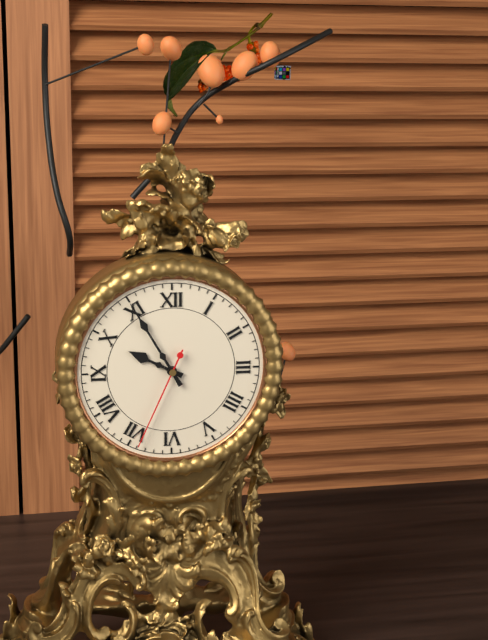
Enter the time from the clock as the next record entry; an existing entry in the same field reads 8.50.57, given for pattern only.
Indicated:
9.55.34
